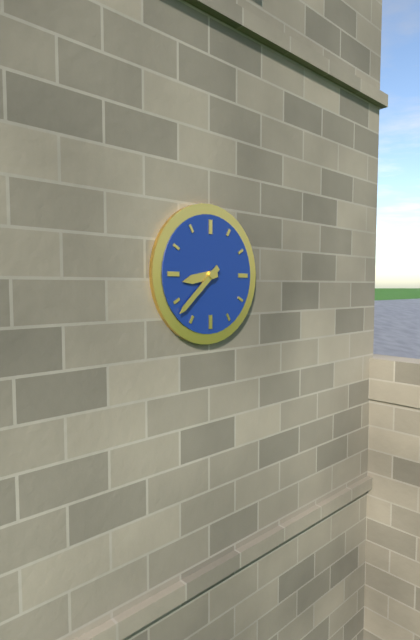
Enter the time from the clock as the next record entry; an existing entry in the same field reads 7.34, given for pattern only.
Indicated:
8.38
